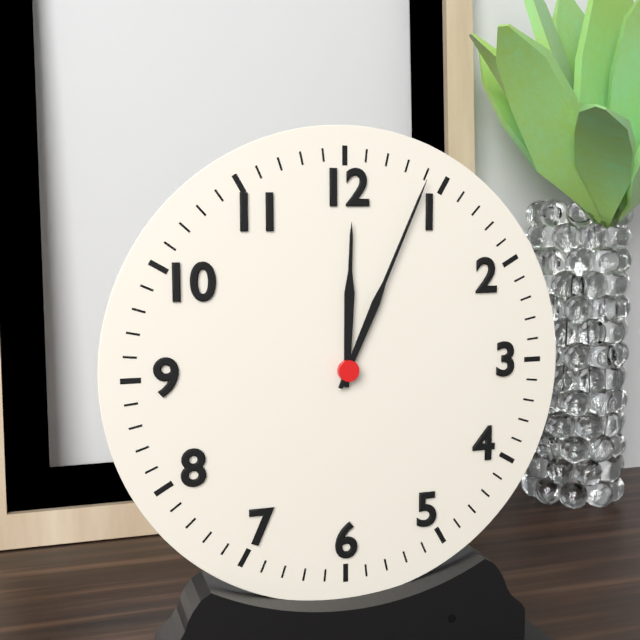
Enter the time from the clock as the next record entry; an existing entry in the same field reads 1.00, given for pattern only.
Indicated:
12.04
